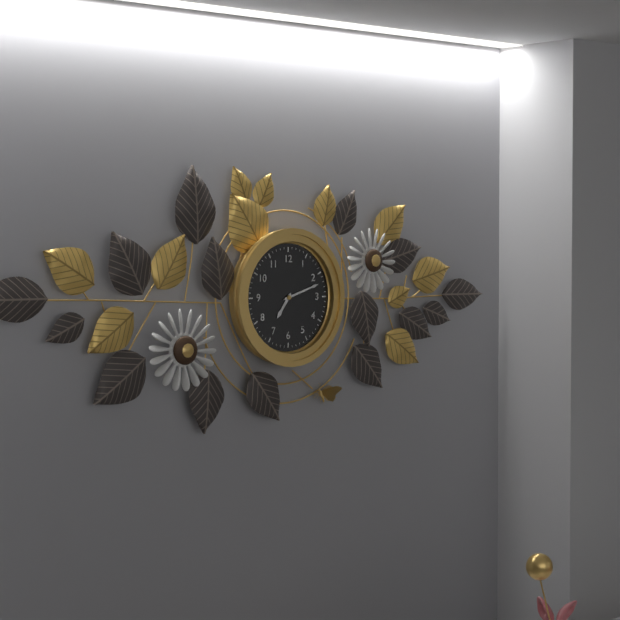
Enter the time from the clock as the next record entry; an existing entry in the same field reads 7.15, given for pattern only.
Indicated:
7.12
